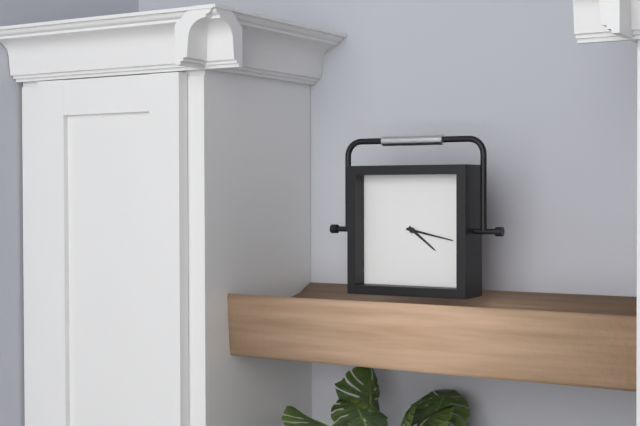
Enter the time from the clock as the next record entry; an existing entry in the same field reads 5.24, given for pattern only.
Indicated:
4.17
